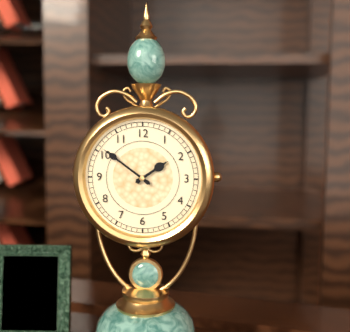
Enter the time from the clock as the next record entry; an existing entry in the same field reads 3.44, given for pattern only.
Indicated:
1.51
